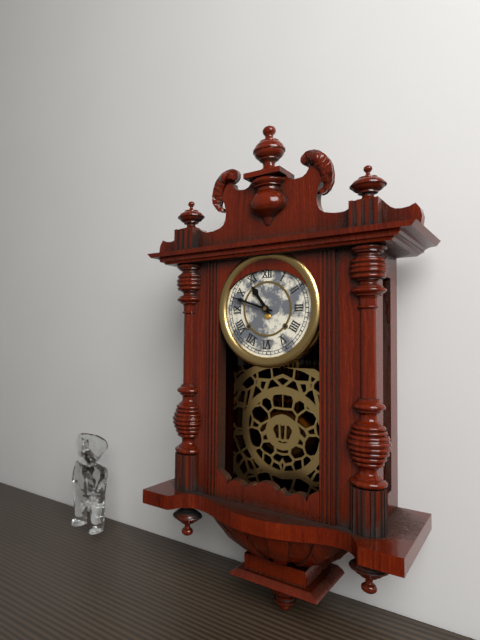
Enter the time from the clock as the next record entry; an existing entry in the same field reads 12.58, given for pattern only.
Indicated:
10.48
